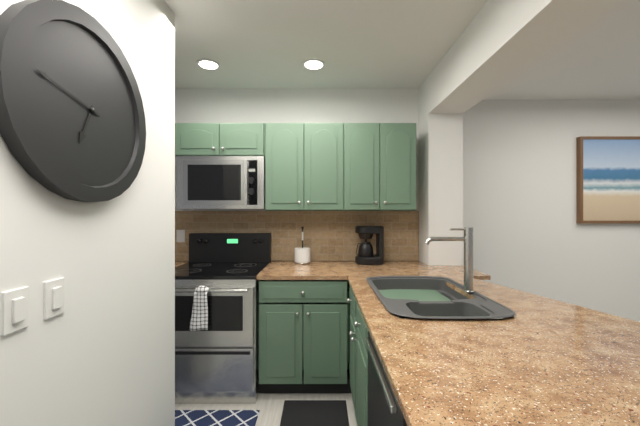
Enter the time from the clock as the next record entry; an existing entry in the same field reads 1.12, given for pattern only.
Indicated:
6.47
